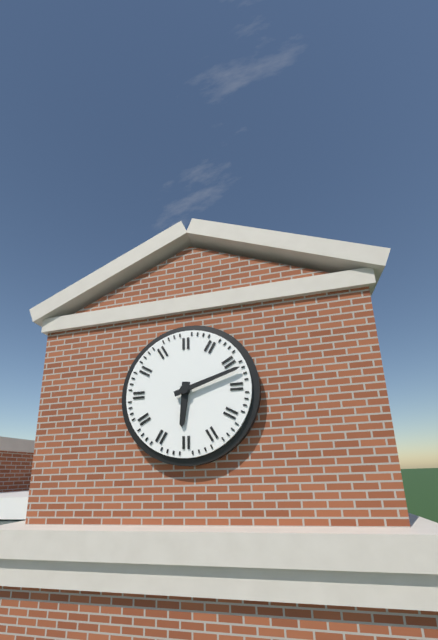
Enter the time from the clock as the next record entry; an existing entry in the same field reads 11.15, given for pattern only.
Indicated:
6.12
